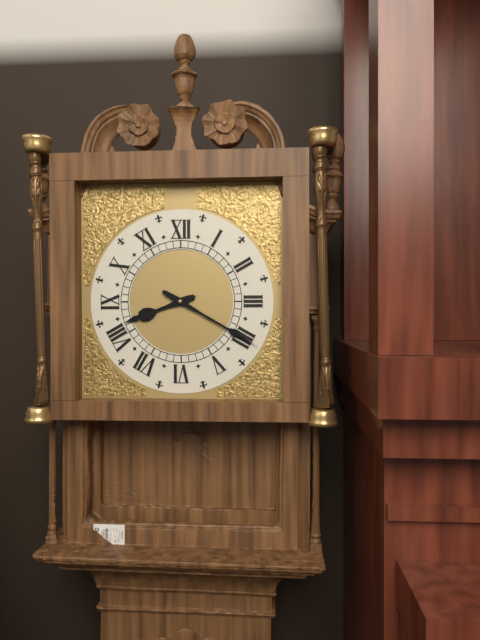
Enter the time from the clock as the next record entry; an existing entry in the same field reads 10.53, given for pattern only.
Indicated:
8.20
